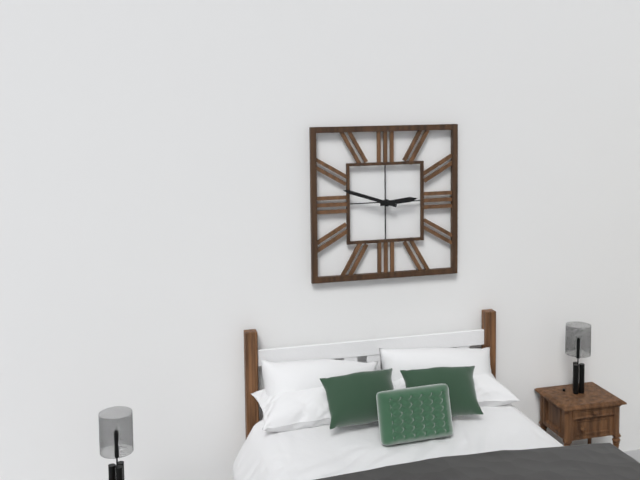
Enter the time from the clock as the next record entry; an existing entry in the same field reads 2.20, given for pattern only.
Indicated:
2.48
